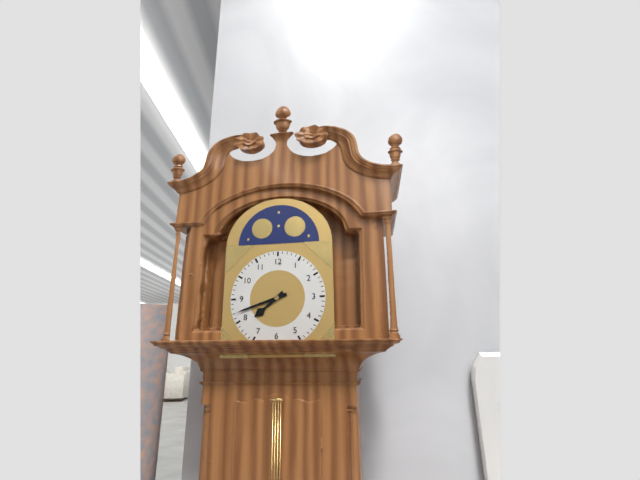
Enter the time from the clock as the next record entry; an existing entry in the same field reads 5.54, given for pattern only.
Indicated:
7.42
